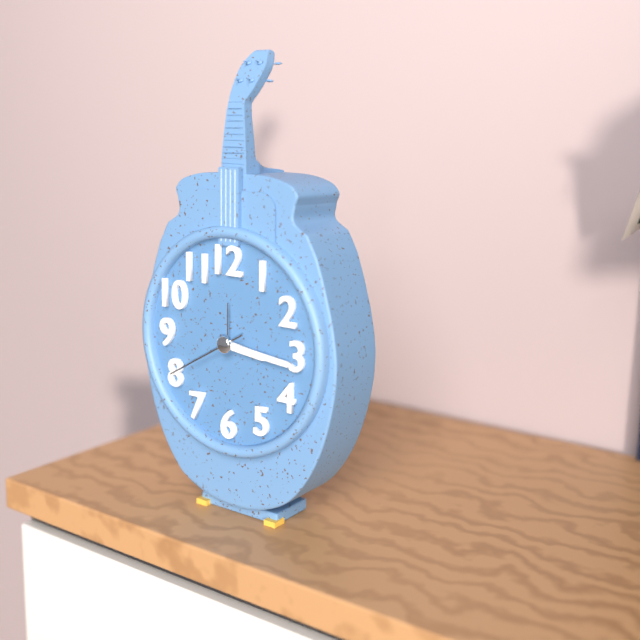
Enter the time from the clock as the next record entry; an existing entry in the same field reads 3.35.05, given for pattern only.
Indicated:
3.16.40
